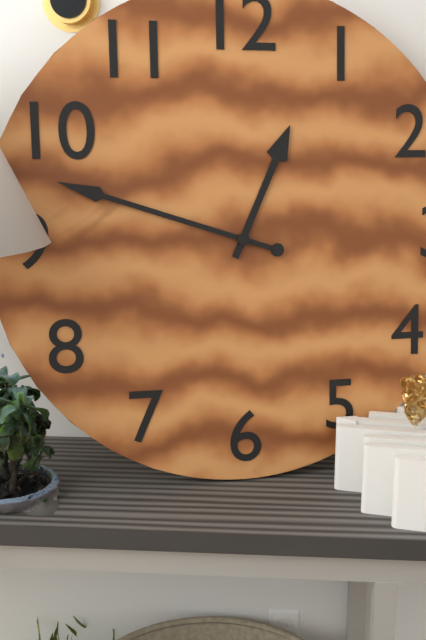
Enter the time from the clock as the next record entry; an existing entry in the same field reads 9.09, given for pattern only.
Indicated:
12.48
